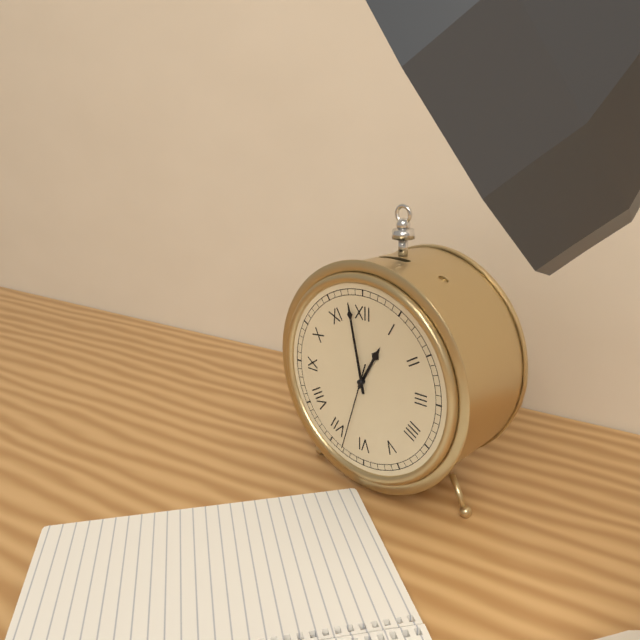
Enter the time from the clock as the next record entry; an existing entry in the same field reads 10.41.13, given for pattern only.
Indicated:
12.58.33
